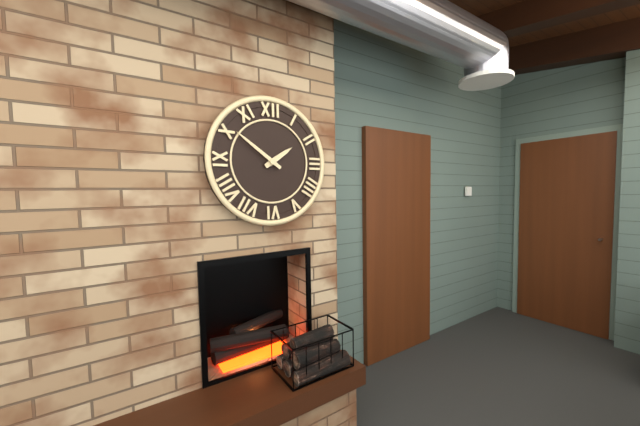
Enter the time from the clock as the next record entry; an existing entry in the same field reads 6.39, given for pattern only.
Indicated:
1.51
